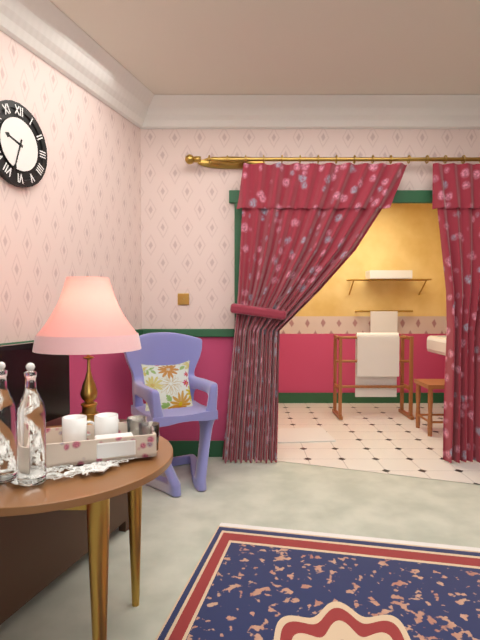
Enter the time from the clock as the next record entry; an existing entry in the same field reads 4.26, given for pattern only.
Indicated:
9.33
